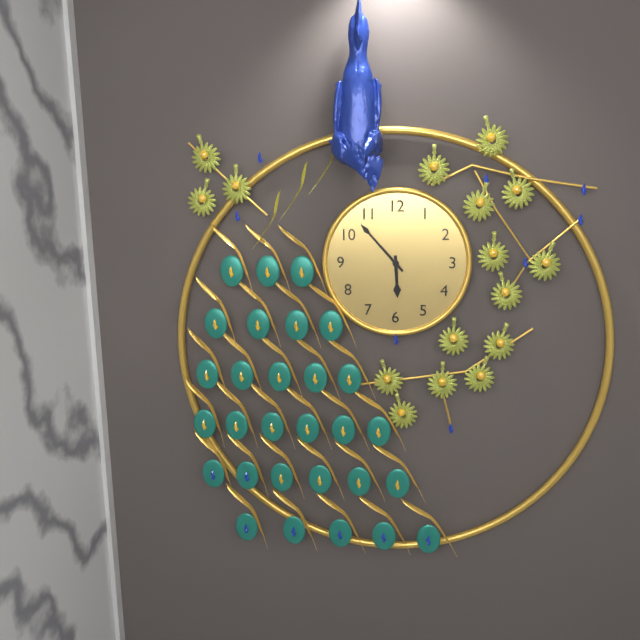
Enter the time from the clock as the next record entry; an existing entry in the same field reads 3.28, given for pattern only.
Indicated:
5.53
